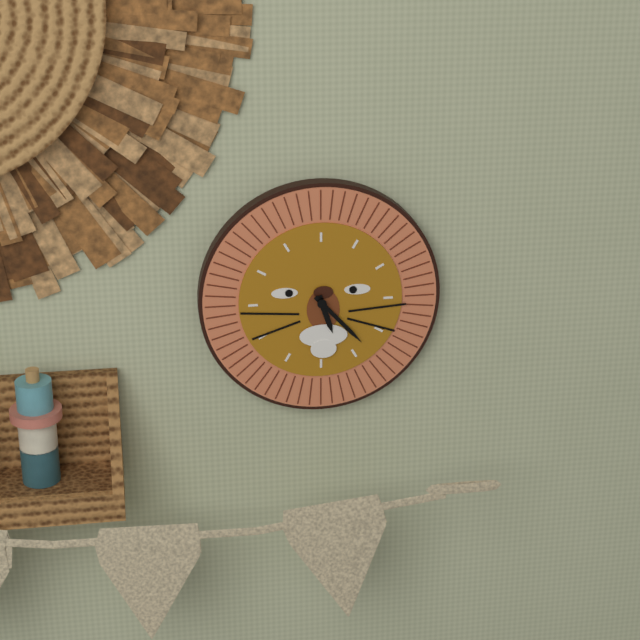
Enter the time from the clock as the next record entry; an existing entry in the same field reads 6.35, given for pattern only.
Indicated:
5.23
